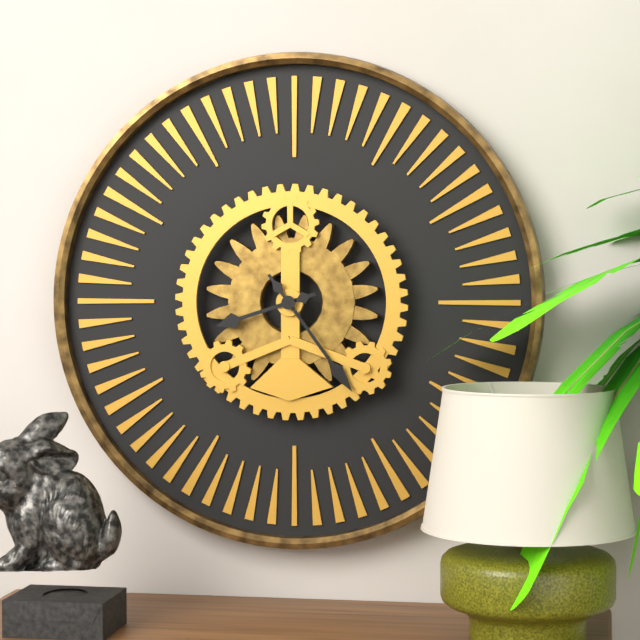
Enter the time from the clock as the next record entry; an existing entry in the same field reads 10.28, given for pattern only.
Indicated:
8.24
